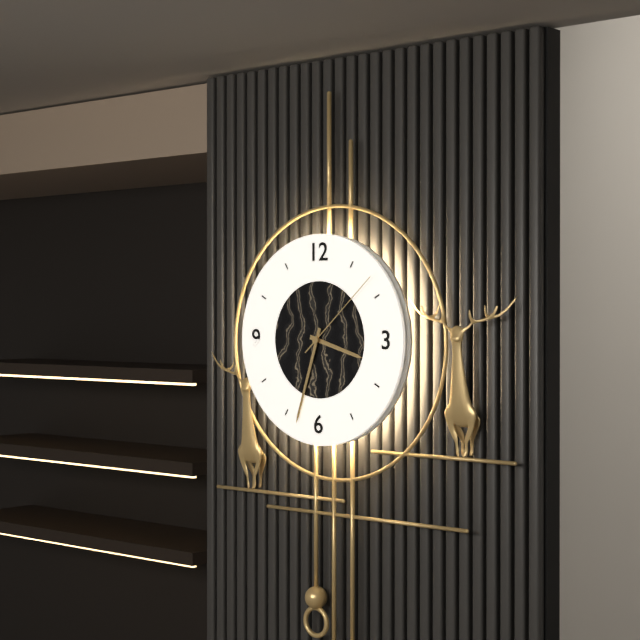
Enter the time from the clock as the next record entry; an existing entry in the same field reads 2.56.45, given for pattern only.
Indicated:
3.33.08
